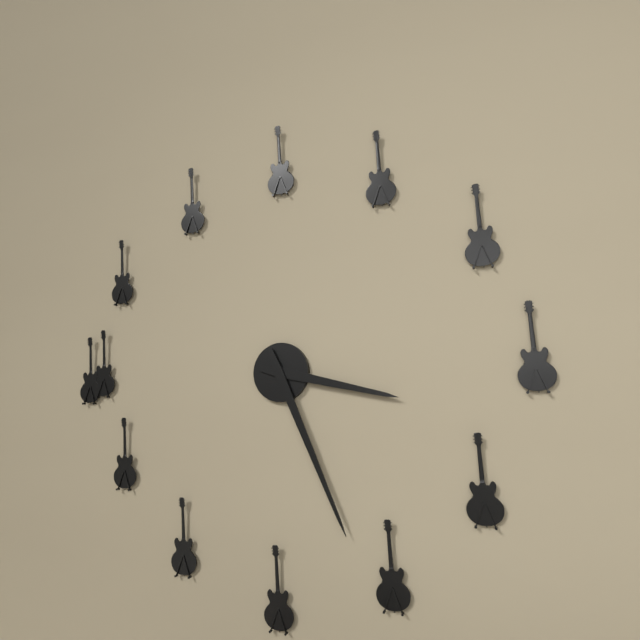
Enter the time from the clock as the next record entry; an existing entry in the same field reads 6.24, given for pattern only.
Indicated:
3.26
